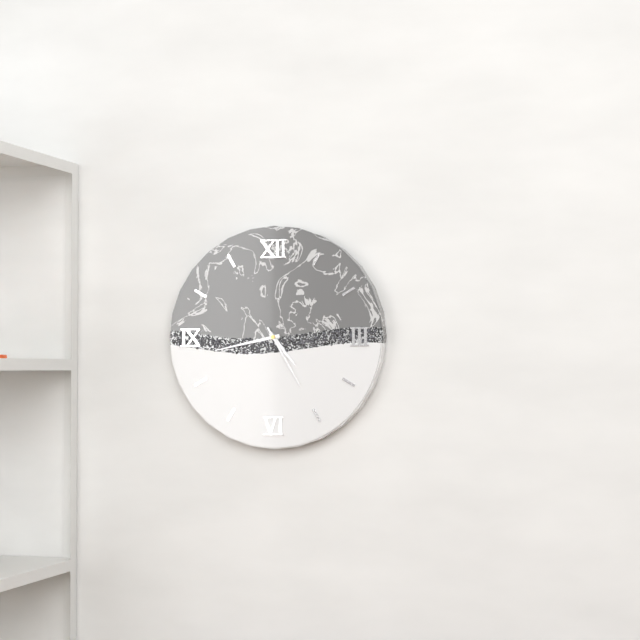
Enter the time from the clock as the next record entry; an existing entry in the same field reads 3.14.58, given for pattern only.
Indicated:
4.43.25
